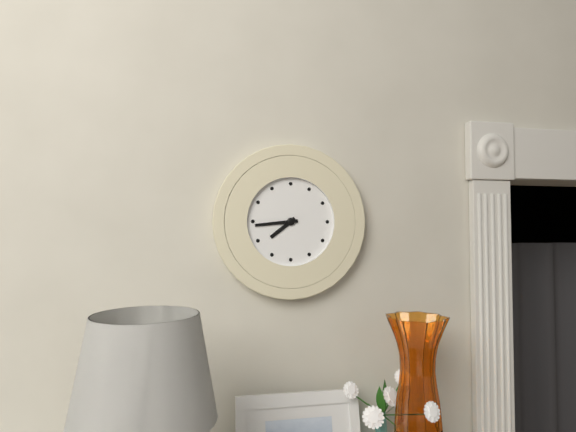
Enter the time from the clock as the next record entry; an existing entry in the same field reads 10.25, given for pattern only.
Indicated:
7.44
